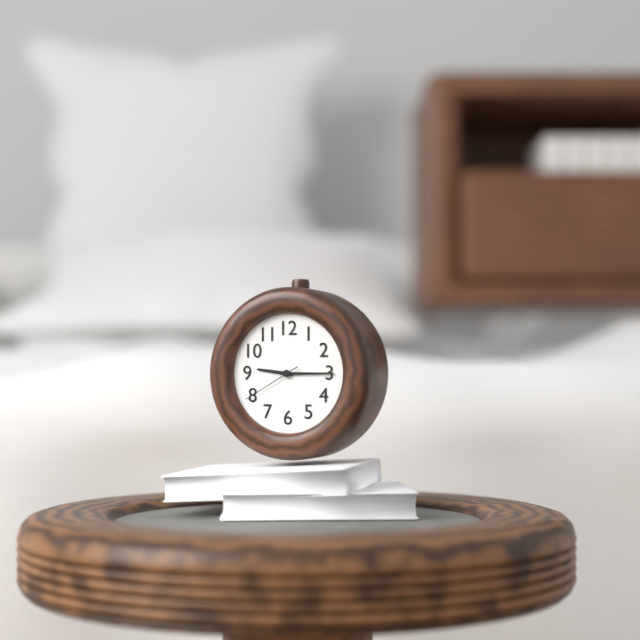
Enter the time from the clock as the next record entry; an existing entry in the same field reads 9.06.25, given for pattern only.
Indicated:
9.15.40
